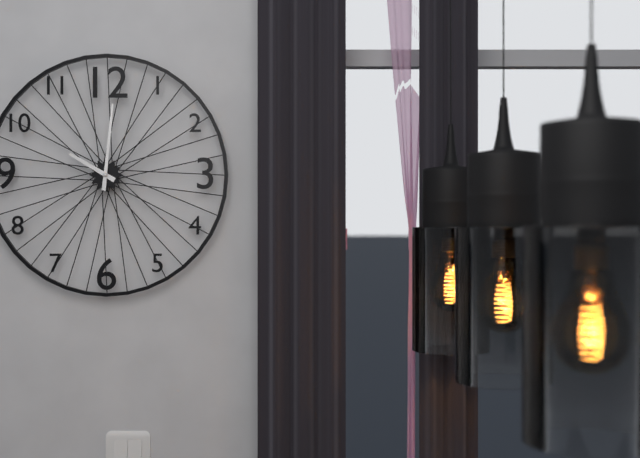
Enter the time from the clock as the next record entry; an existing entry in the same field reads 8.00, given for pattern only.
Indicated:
10.01
